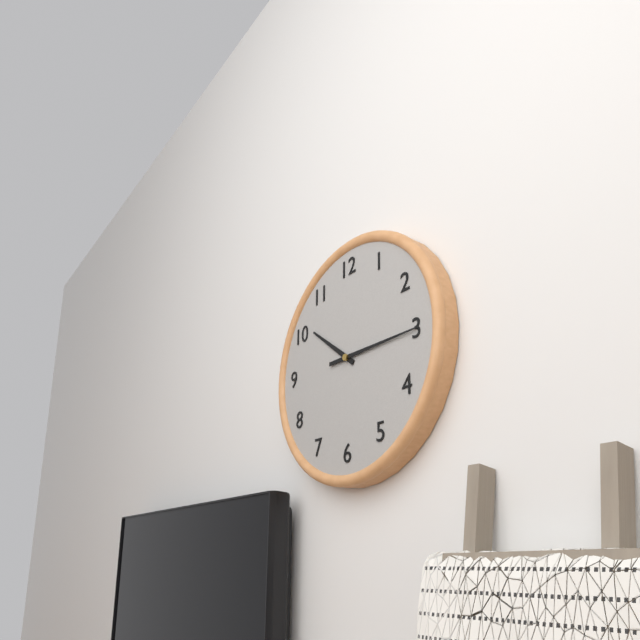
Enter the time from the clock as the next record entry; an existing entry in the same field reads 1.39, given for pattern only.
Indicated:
10.15
